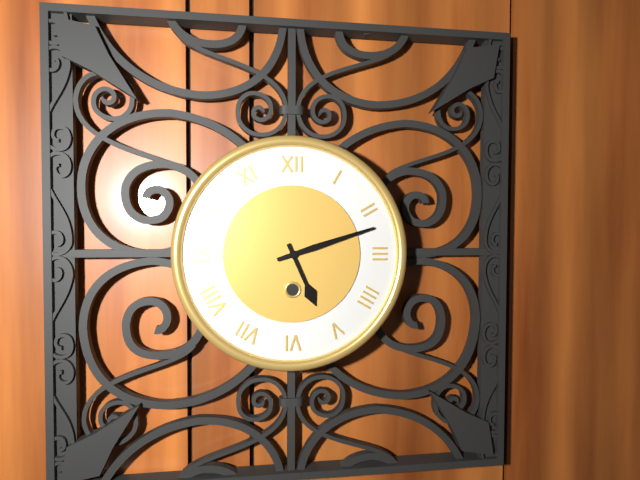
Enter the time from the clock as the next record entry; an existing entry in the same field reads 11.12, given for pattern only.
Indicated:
5.12
